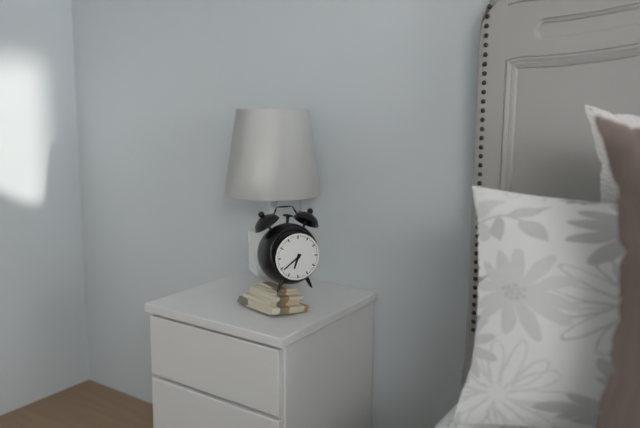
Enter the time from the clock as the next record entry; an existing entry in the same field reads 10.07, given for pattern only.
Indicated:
6.39
